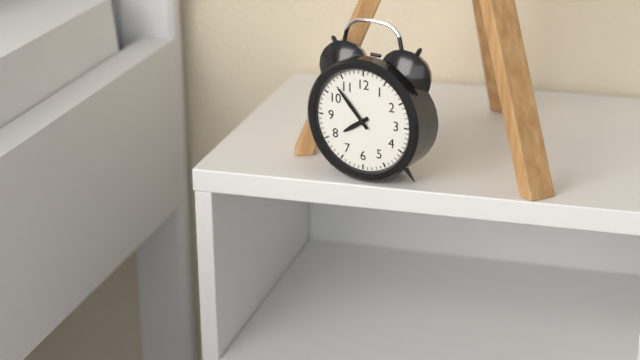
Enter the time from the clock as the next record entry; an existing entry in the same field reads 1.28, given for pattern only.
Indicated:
7.53
